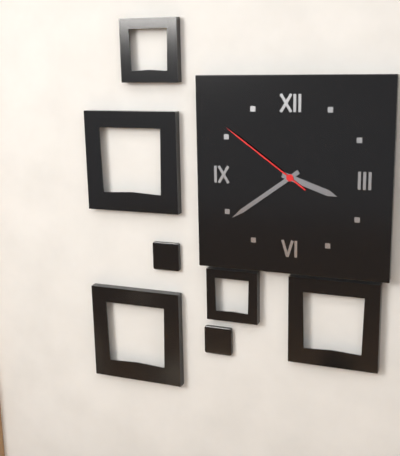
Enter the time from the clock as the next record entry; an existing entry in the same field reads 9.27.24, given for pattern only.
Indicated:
3.39.51
